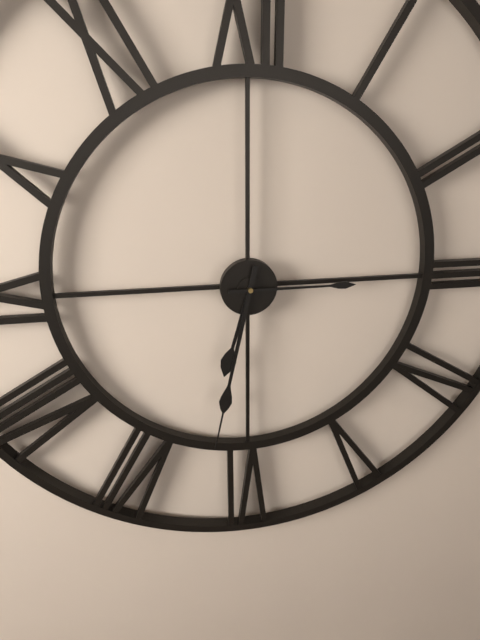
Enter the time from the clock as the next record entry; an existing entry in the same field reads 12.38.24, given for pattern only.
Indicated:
6.32.15
